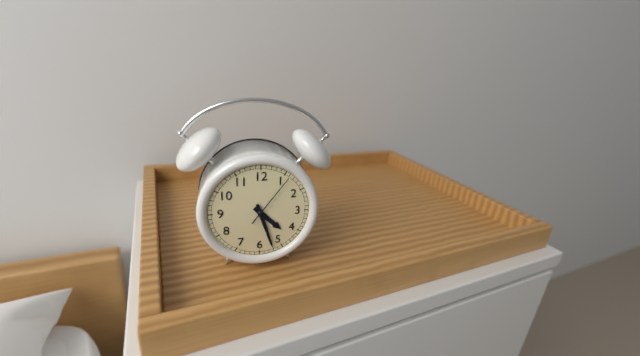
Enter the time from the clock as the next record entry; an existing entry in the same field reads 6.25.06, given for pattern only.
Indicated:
4.27.06
